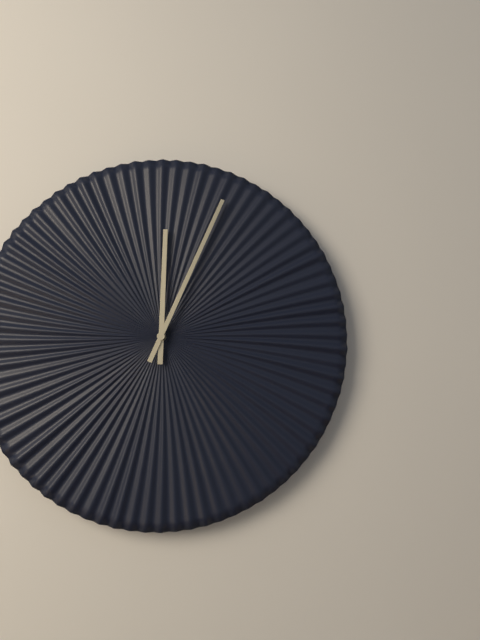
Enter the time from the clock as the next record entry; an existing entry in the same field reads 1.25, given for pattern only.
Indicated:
12.04
